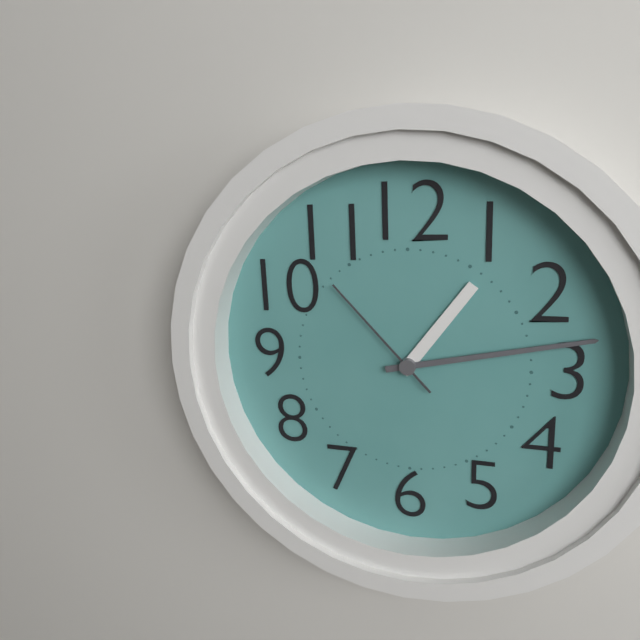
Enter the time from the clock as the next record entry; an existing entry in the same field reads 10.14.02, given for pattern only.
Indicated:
1.13.53
